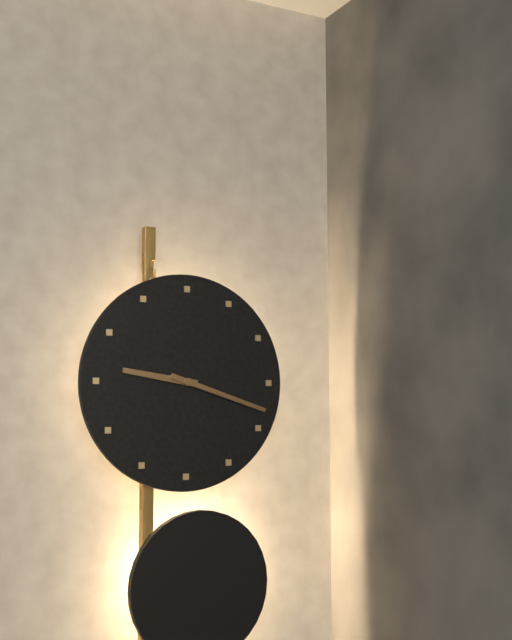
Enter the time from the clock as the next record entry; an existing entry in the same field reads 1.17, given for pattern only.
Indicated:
9.18
